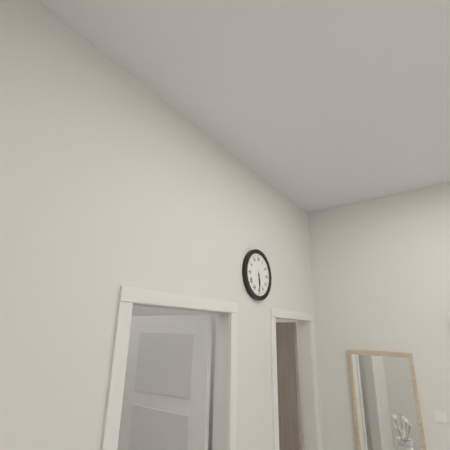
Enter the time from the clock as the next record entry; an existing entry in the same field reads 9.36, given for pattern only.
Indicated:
5.29
